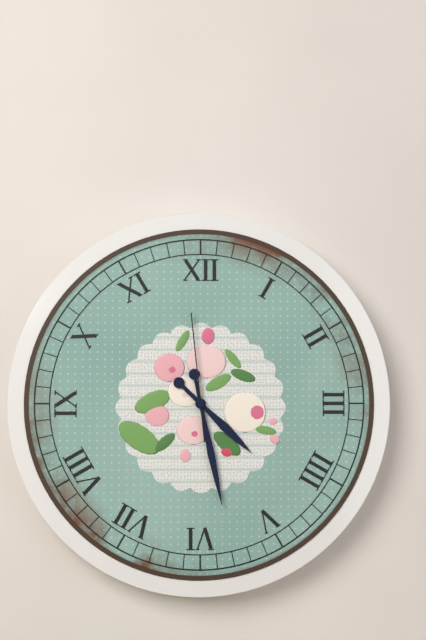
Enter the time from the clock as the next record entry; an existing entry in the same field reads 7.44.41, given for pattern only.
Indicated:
4.28.59
